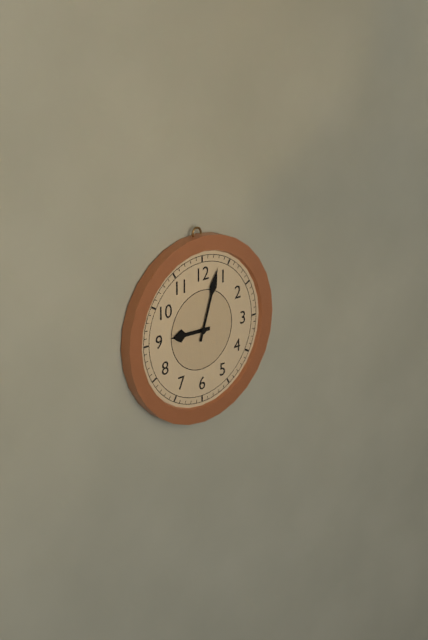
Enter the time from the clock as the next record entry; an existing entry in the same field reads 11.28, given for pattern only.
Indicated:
9.03
